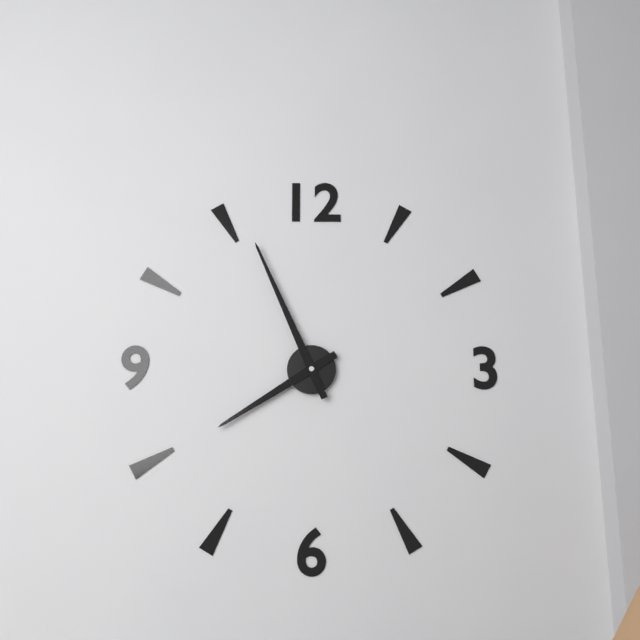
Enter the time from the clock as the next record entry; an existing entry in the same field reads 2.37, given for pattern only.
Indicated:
7.56
